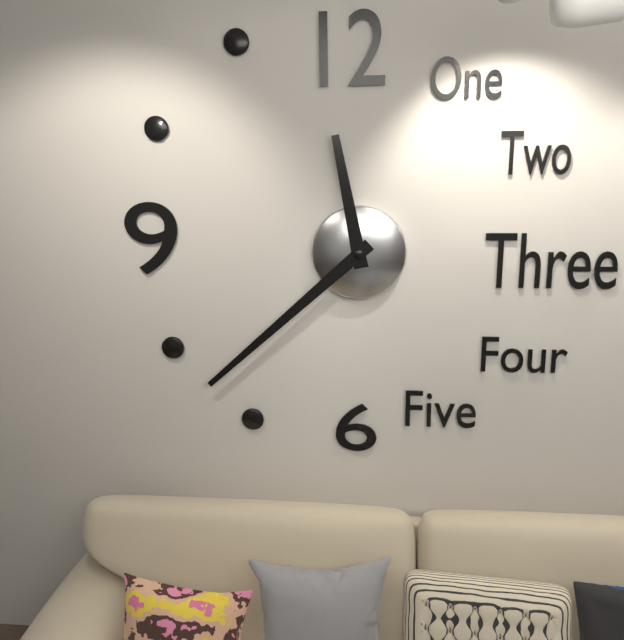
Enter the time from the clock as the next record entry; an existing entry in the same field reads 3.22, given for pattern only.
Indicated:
11.38
